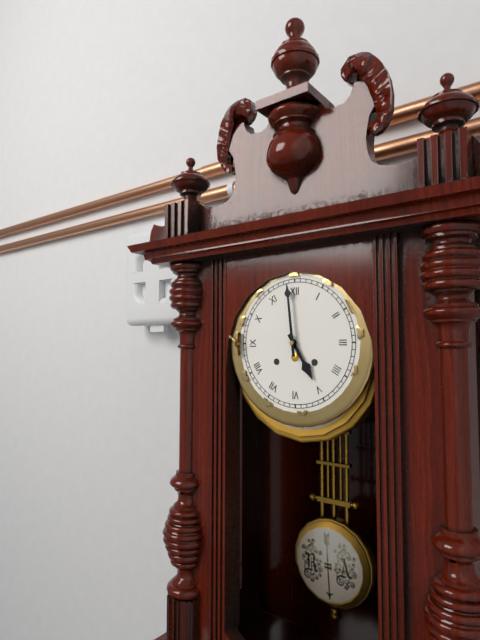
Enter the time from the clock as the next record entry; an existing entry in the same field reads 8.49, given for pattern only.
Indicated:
4.59
